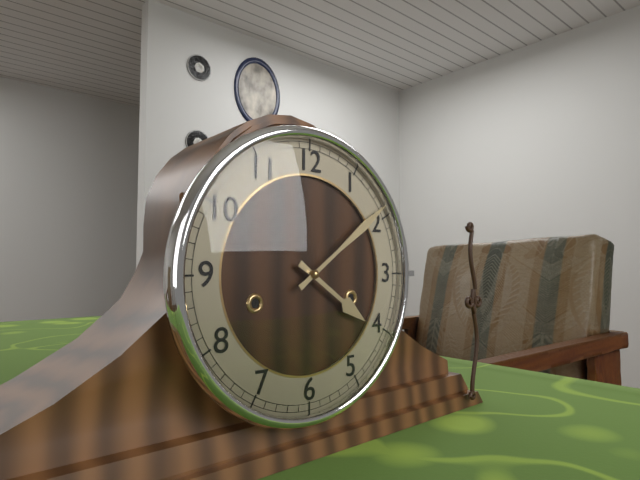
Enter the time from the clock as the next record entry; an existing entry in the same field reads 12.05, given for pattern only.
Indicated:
4.09
